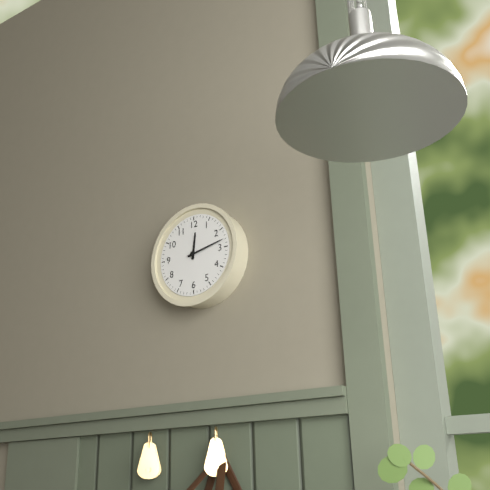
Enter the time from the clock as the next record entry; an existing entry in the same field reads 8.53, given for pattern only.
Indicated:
12.13
